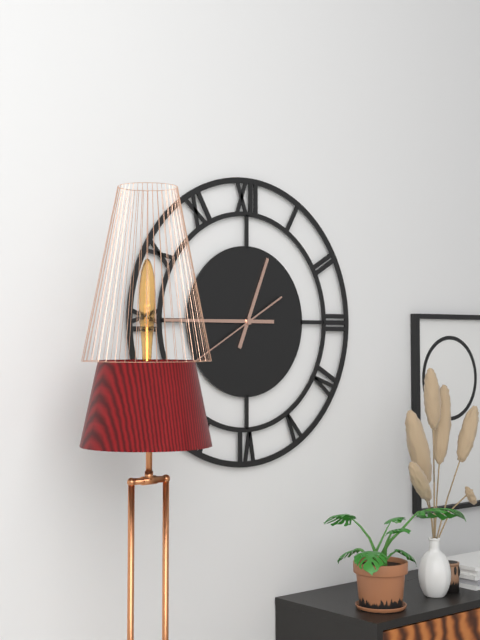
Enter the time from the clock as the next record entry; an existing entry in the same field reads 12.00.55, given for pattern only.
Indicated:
12.45.40
